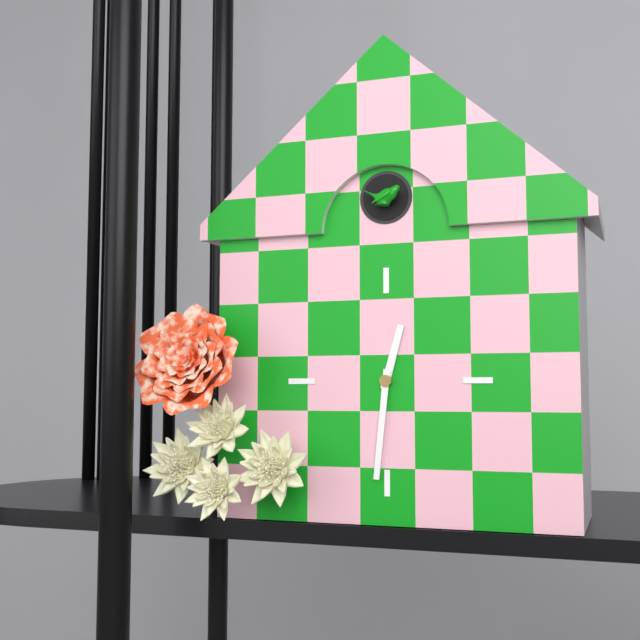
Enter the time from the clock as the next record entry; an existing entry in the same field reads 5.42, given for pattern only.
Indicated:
12.31
